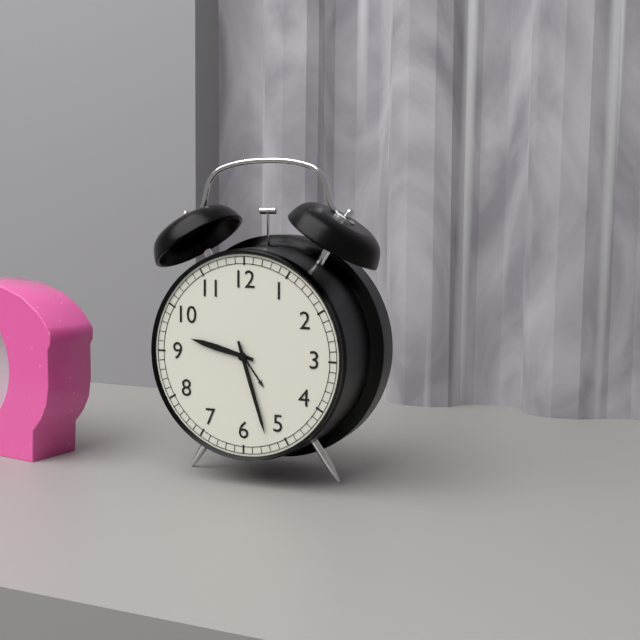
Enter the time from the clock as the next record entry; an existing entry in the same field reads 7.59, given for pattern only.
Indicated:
9.27
